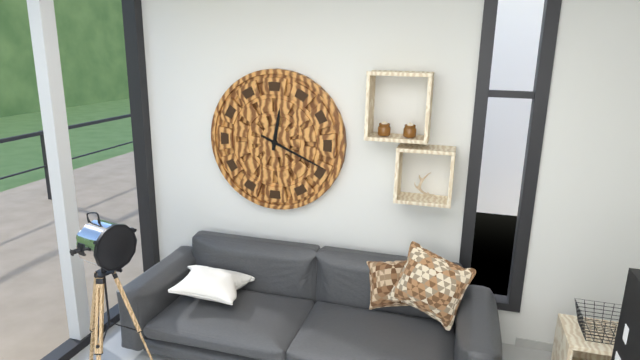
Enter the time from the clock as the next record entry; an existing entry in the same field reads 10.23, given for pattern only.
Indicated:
12.19
